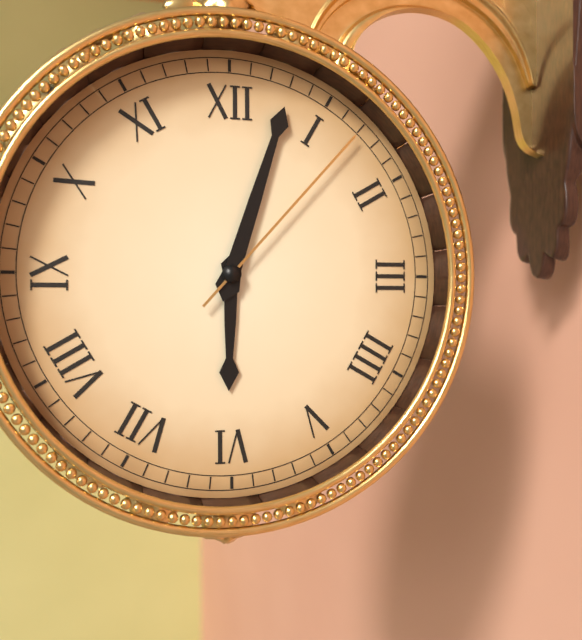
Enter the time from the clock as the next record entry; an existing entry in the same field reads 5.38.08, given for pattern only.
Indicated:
6.03.07
